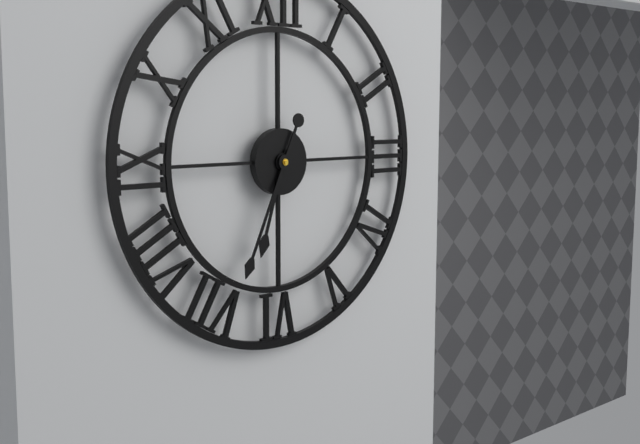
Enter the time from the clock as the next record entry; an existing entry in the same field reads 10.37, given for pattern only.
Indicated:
6.34
